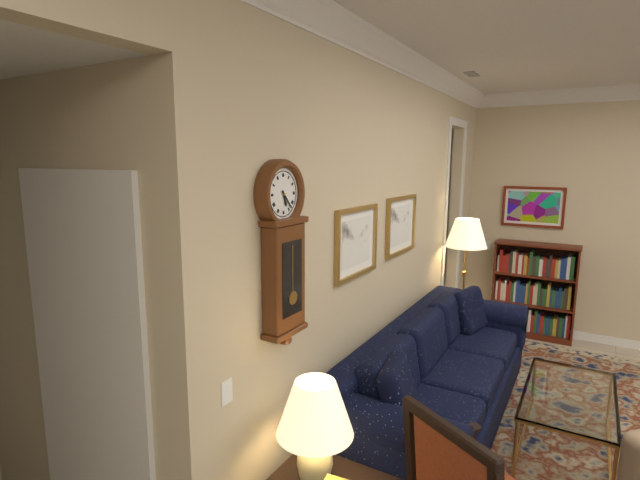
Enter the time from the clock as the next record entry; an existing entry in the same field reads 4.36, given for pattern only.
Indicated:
5.23
